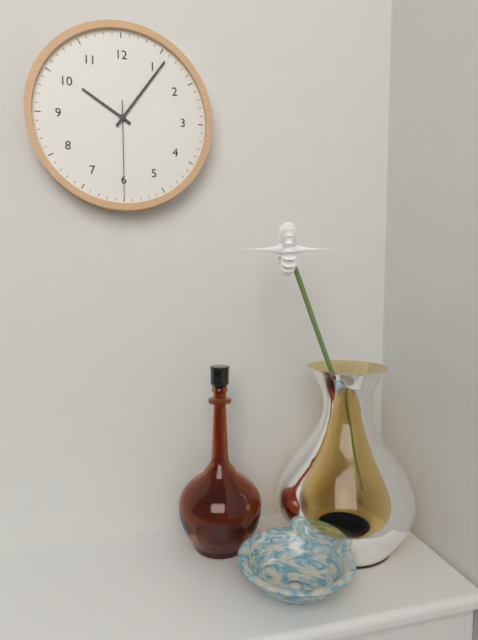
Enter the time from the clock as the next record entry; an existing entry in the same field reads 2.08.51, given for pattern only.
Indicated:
10.06.30
